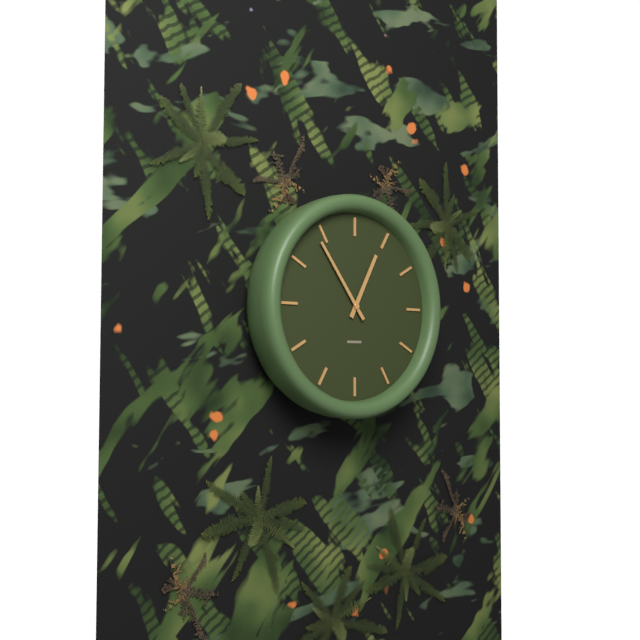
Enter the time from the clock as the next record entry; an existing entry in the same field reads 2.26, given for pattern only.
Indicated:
12.54
